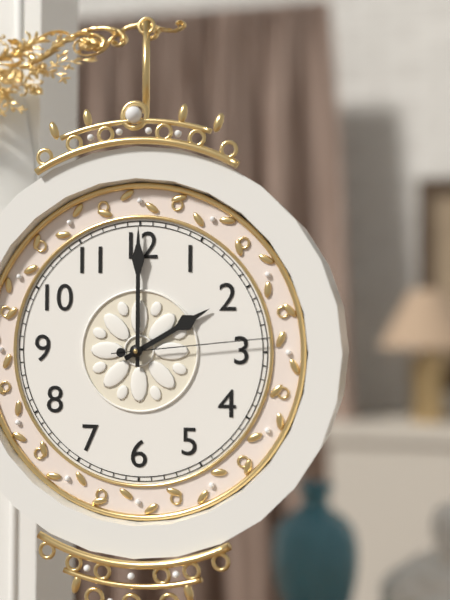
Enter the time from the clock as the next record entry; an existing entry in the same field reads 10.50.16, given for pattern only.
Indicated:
2.00.14
